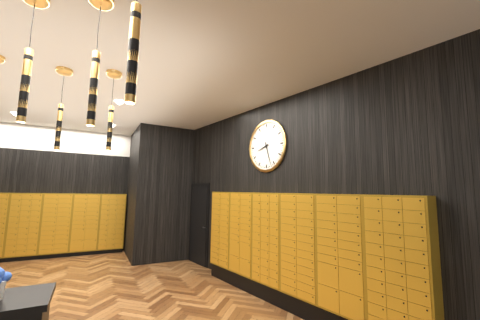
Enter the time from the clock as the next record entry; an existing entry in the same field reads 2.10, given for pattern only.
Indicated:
8.27
